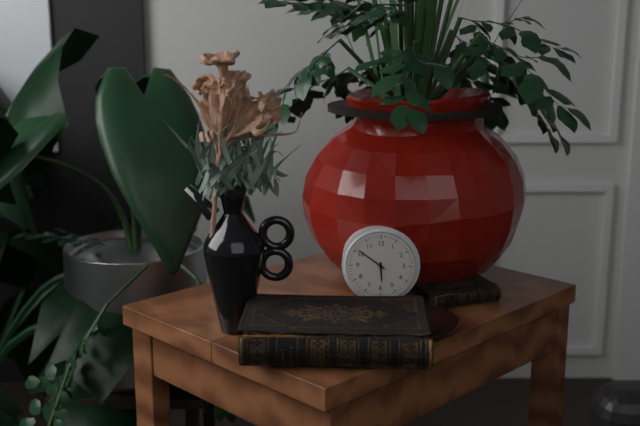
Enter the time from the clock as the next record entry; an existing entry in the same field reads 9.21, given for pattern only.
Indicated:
5.51
